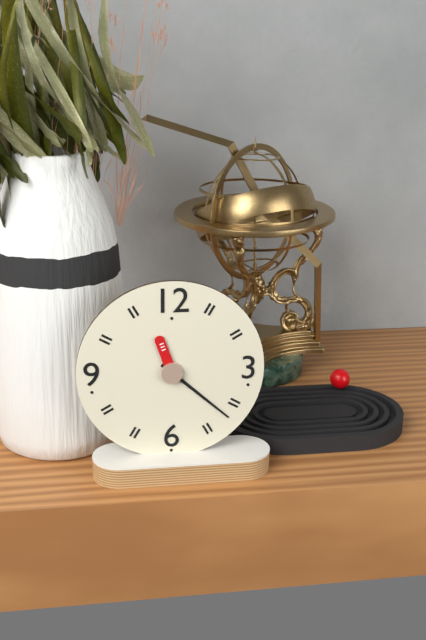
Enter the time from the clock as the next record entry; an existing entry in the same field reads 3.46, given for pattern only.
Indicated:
11.22
